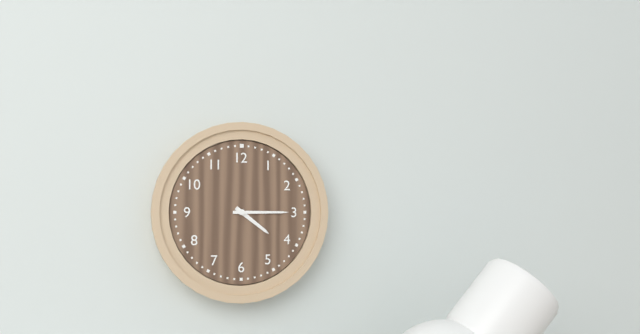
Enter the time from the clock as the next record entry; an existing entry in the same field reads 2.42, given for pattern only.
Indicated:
4.15
